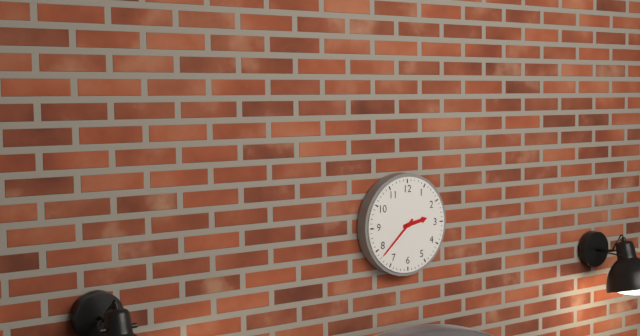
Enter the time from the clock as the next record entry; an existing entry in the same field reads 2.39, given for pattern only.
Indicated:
2.38
